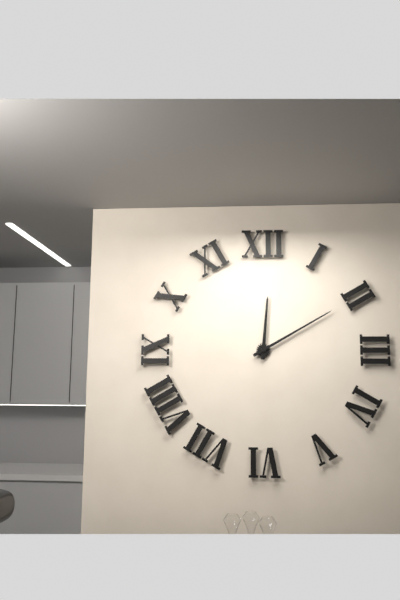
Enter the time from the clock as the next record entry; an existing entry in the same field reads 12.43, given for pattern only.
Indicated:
12.10
